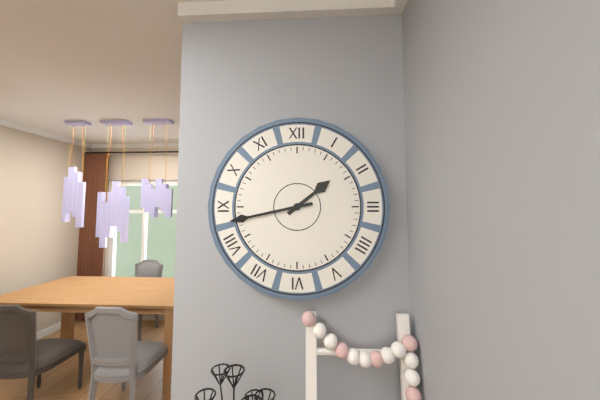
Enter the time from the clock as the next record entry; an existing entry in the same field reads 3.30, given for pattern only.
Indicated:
1.43
